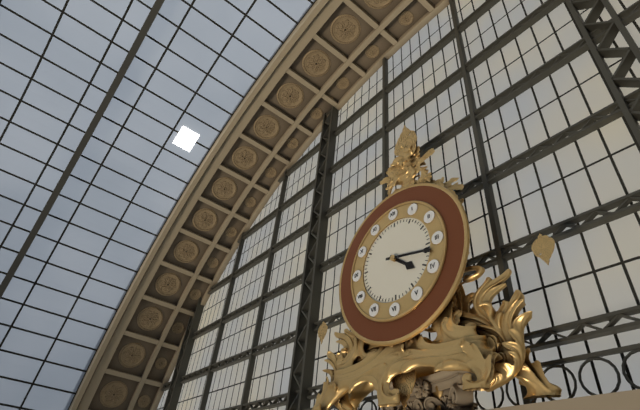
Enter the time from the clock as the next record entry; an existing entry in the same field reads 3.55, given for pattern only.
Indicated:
4.17
